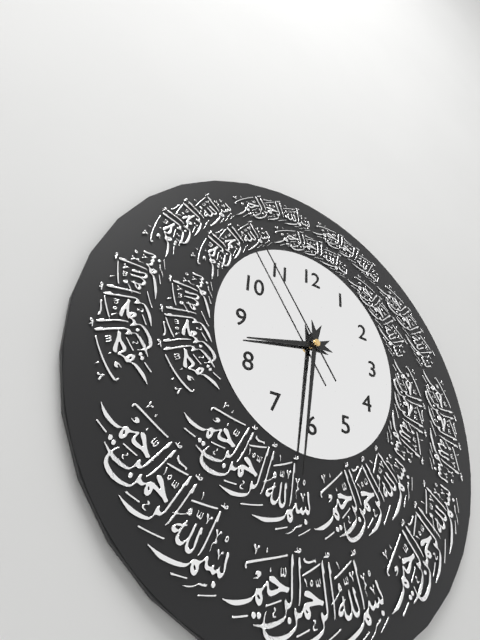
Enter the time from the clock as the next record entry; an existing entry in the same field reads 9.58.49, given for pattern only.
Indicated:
8.31.54
